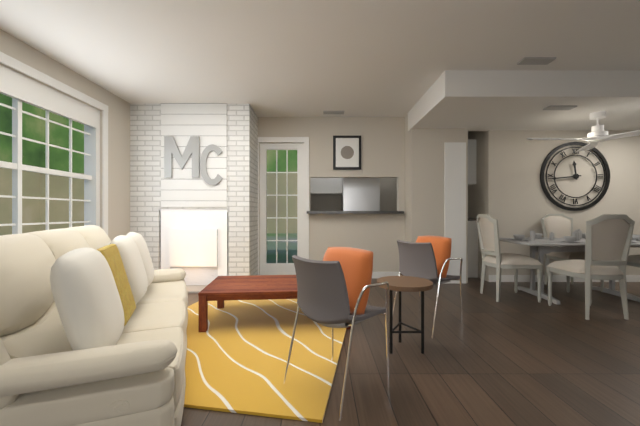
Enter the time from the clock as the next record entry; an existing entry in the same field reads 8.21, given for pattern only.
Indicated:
11.44
